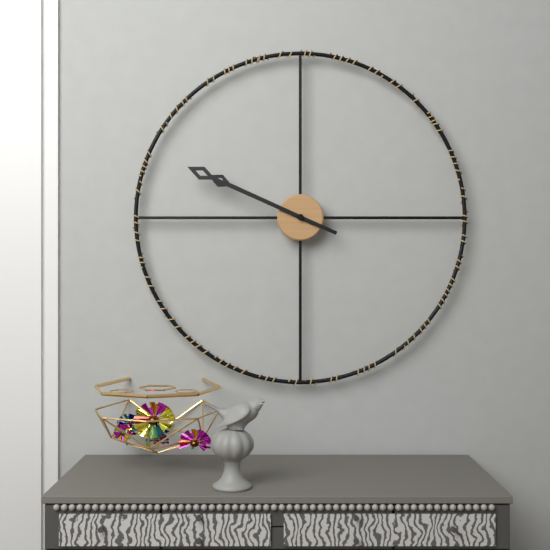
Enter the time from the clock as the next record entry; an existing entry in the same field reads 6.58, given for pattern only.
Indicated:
9.49
